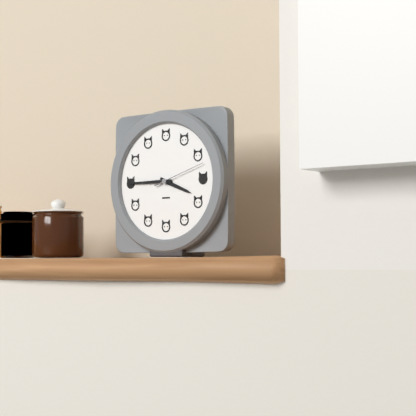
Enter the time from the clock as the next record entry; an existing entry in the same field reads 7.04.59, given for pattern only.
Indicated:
3.45.12
